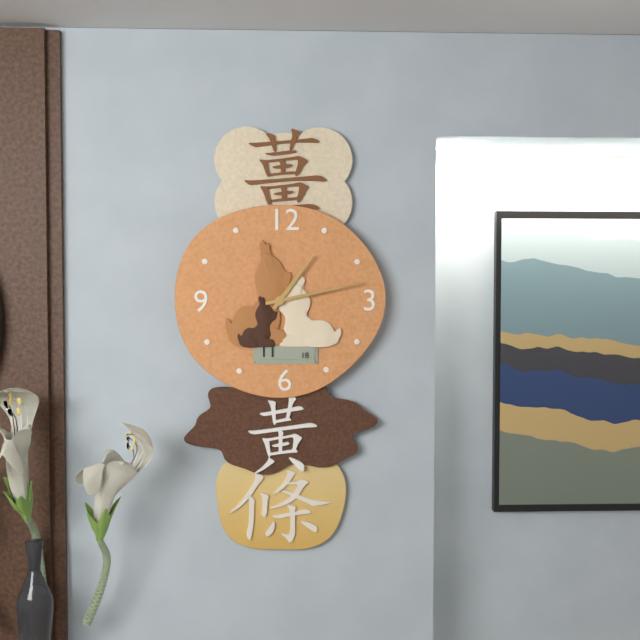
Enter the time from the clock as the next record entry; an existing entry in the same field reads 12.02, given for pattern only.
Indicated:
1.13
